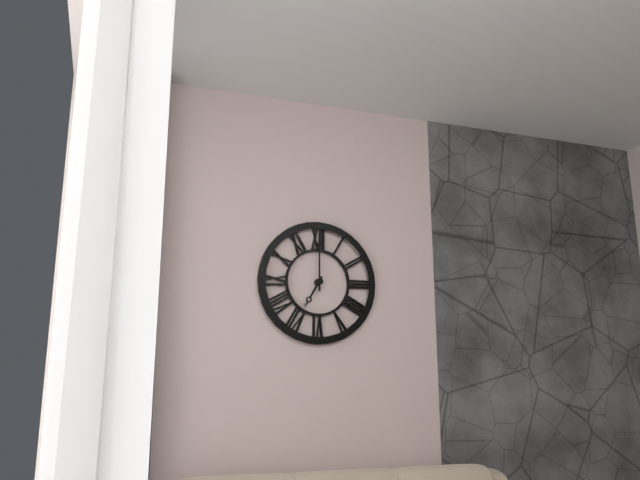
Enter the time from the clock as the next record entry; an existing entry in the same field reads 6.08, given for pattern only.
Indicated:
7.00
